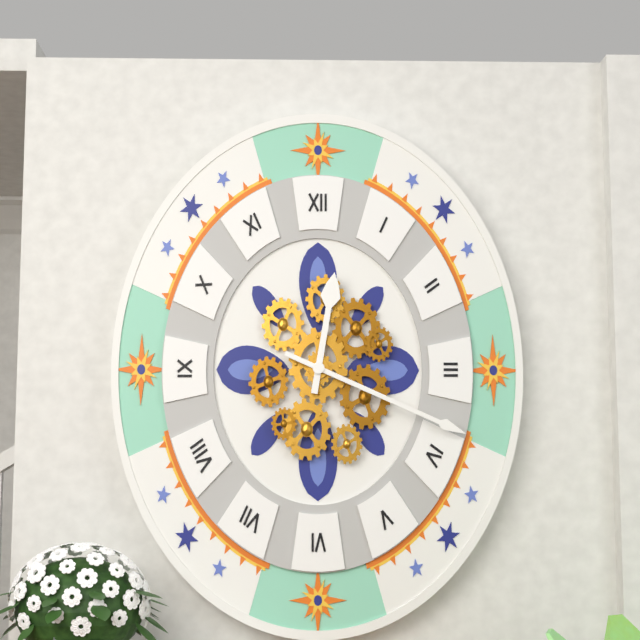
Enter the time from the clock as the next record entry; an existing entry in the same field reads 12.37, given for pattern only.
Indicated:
12.19
